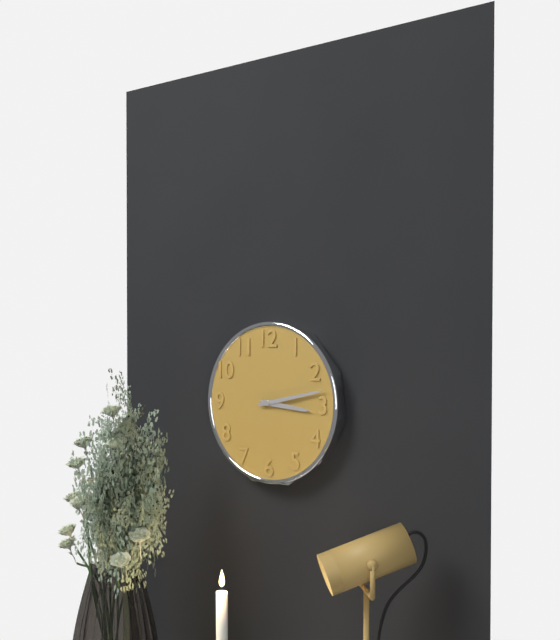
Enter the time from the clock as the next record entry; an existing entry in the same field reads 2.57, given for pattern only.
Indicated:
3.13
